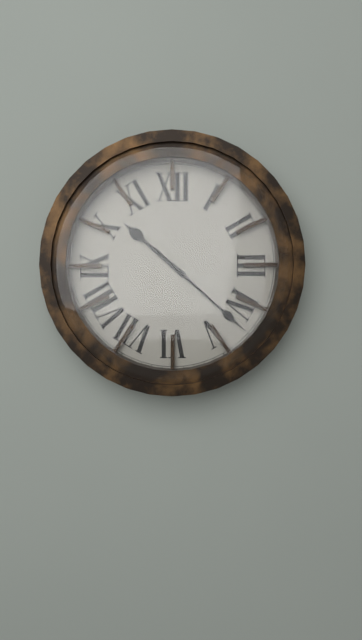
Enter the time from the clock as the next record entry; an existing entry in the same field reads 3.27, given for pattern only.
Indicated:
10.22
